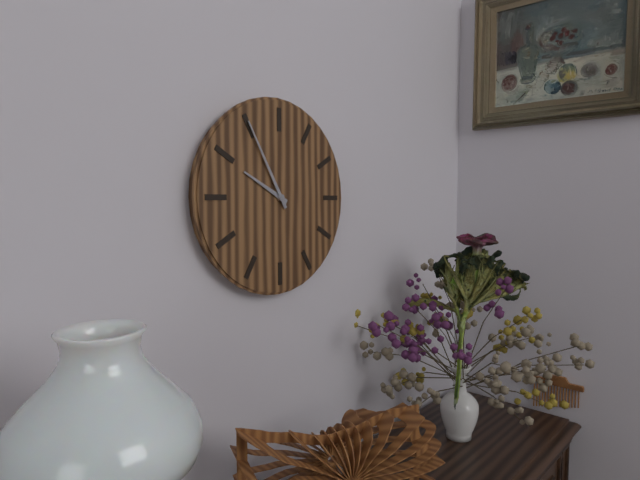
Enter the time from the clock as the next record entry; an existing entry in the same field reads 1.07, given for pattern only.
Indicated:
9.55
